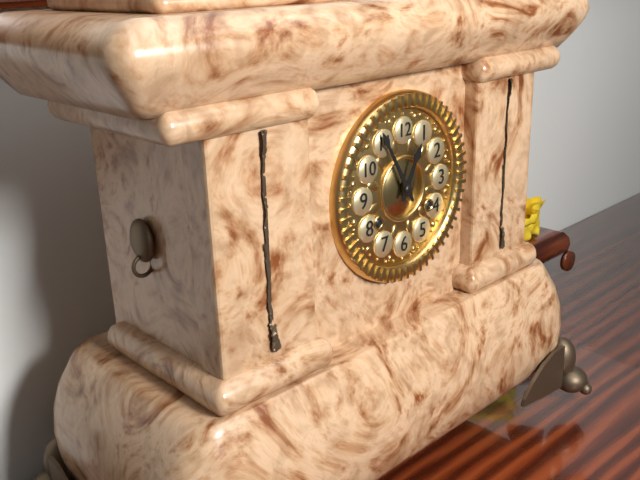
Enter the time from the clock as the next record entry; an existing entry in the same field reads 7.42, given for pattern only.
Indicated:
12.55
